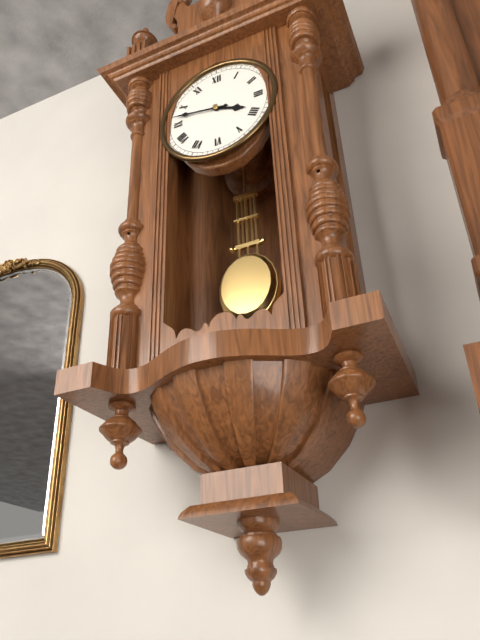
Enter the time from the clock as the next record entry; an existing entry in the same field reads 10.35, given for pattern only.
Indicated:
3.47
